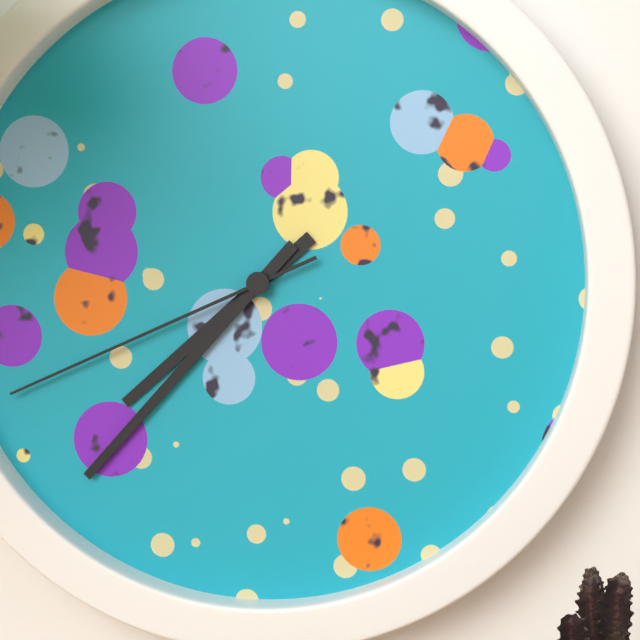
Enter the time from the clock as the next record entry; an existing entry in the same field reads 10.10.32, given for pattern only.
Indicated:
7.37.41
